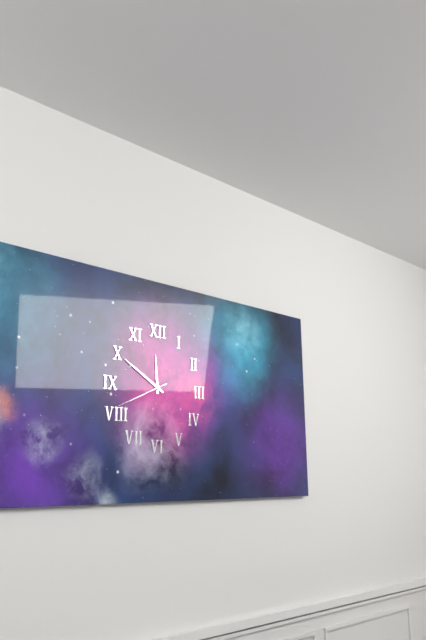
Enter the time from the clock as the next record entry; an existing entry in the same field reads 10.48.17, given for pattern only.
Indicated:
11.50.41
